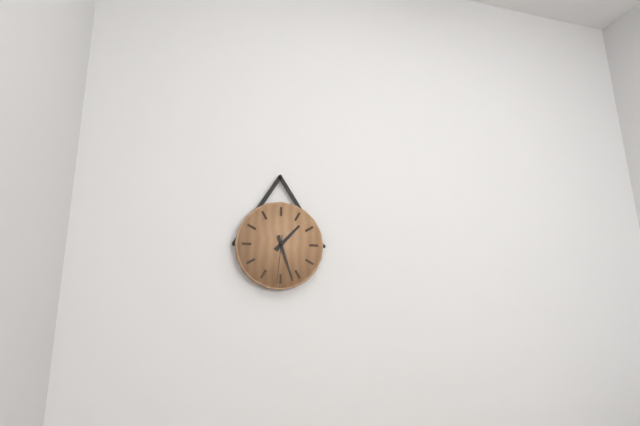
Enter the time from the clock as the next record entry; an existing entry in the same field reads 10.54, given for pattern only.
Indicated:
1.27
